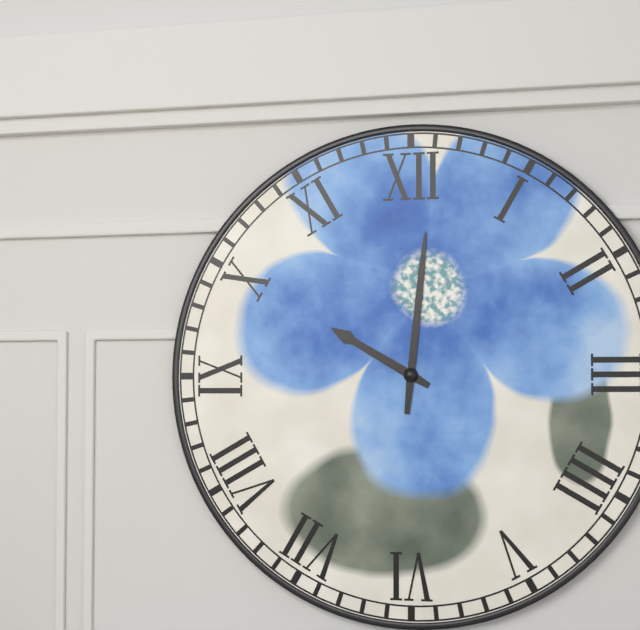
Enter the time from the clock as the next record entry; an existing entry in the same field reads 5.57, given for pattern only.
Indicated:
10.01
